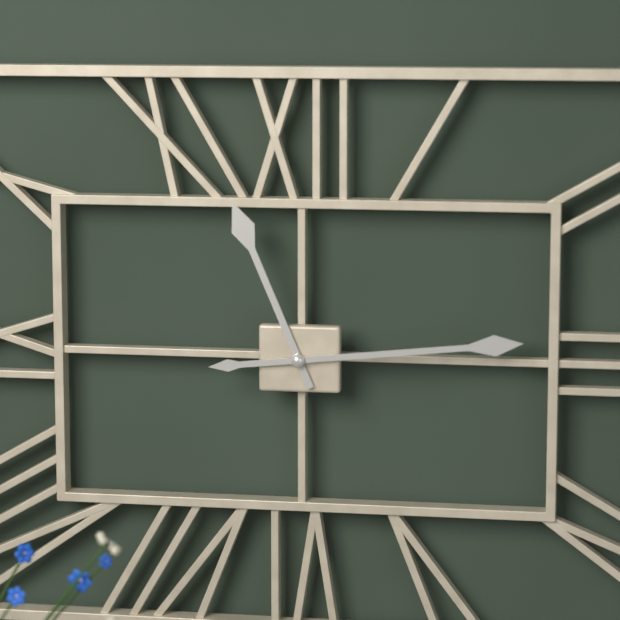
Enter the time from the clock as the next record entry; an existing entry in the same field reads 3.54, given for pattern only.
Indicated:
11.14
